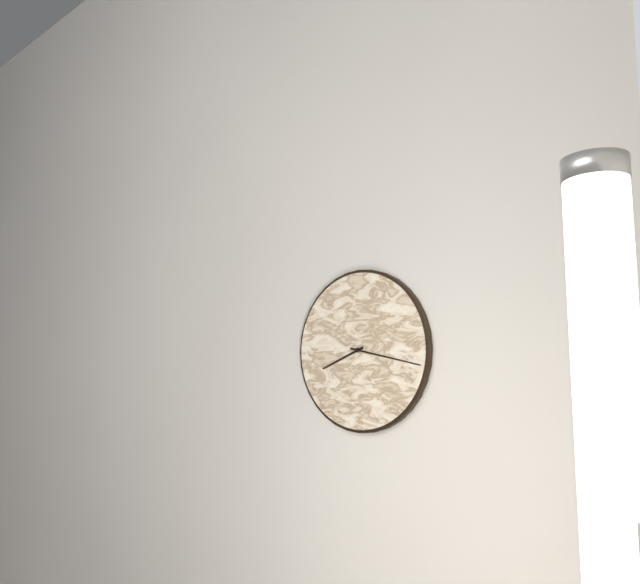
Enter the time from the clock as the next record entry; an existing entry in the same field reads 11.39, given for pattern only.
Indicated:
8.17
